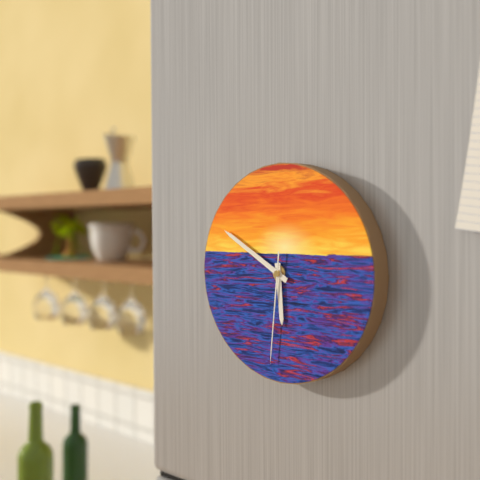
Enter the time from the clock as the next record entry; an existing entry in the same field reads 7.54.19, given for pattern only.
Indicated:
5.50.31
